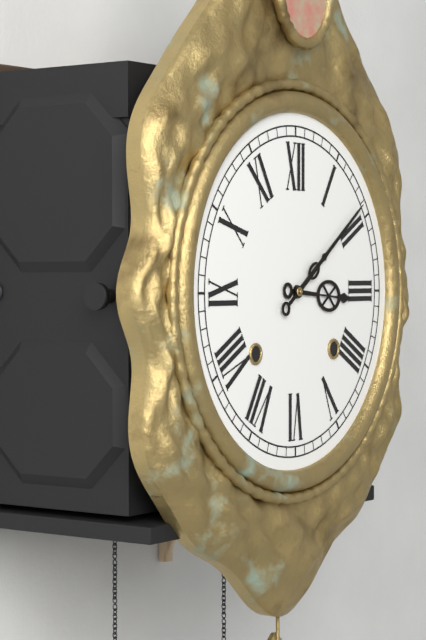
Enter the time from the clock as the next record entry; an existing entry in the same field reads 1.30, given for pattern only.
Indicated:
3.09
